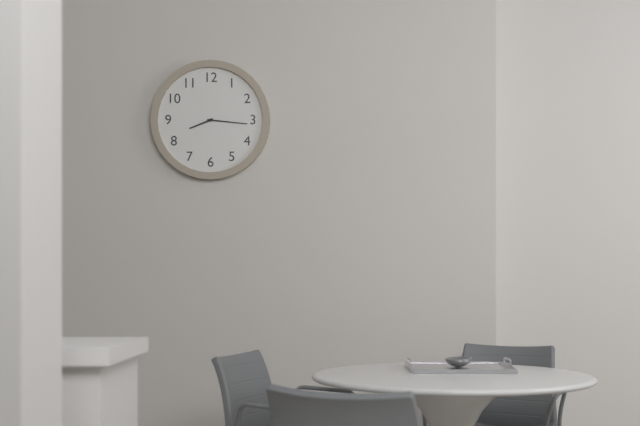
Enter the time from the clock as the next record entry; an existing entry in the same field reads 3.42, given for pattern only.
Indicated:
8.16
